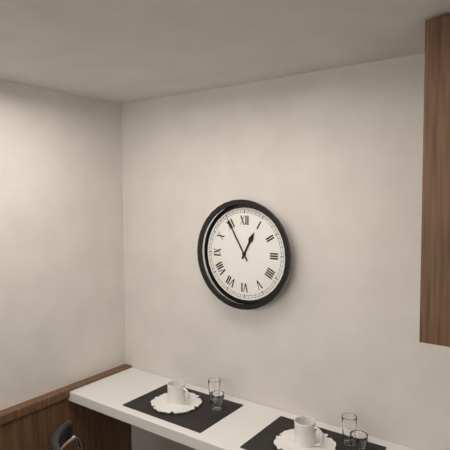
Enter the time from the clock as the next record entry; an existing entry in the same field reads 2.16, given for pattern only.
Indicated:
12.55
